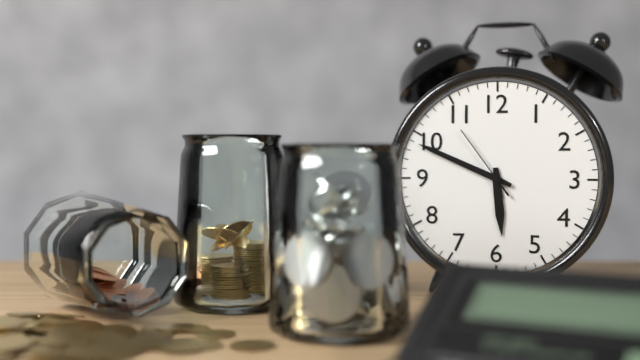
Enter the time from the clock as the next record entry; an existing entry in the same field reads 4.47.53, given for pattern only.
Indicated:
5.49.54
